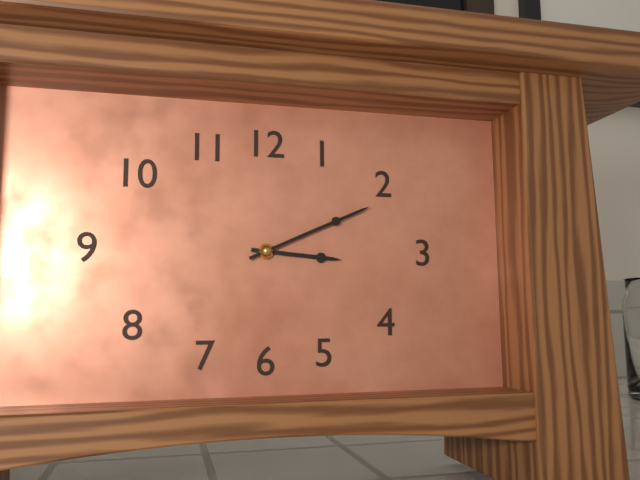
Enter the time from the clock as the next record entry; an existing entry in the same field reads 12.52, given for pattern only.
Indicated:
3.11
